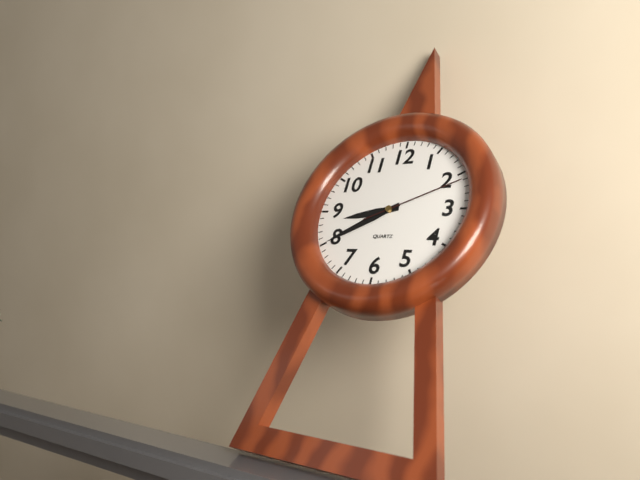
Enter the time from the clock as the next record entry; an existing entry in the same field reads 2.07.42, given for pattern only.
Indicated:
8.40.11
